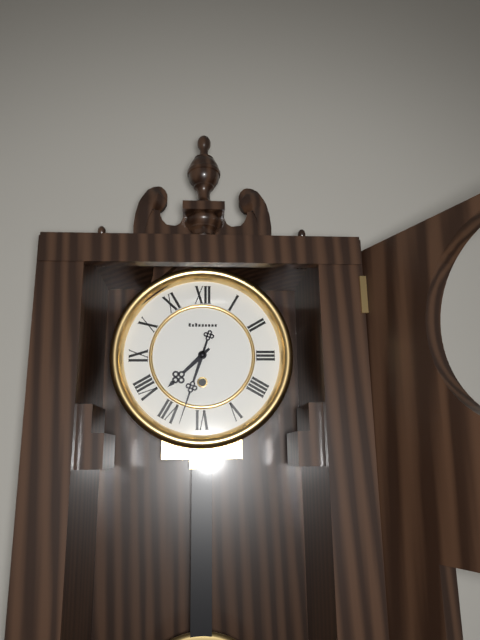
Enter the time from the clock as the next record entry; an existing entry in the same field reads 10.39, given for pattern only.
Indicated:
7.33
